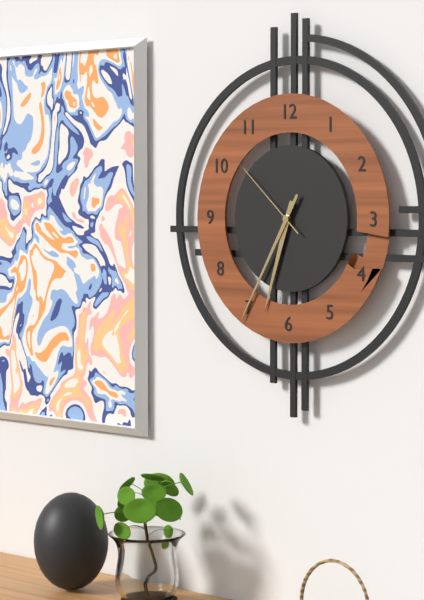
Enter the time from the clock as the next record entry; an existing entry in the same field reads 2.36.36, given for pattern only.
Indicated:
6.35.52
